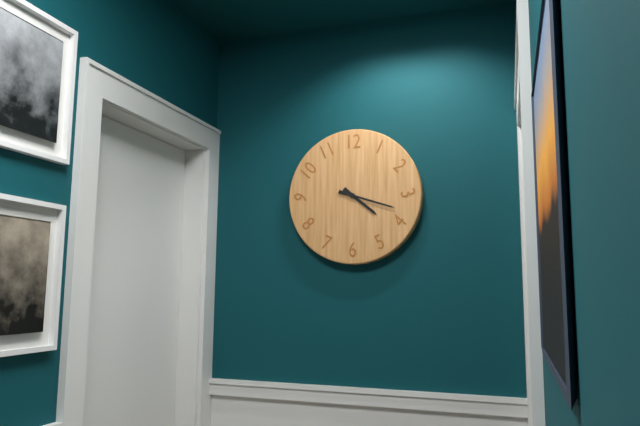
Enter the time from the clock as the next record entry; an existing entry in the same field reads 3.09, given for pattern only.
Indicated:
4.18
